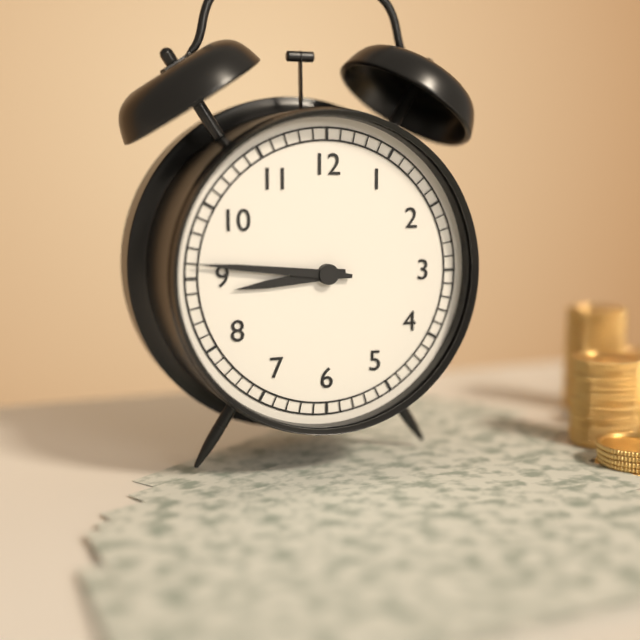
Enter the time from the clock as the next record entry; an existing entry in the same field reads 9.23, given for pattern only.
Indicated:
8.46
